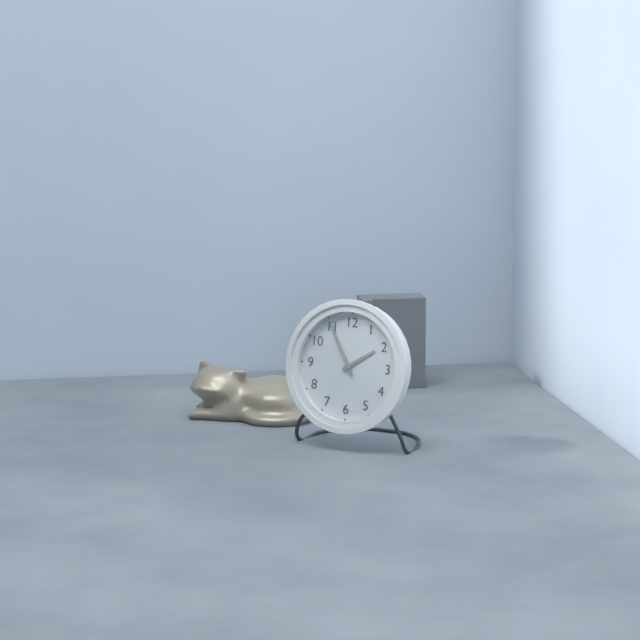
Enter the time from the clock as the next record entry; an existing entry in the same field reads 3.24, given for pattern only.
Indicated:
1.55
